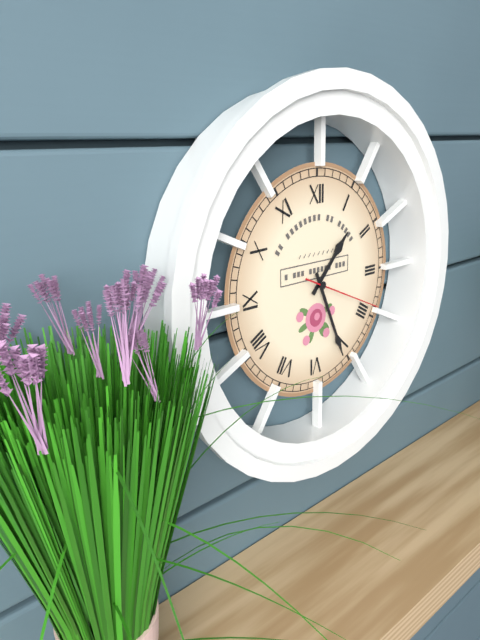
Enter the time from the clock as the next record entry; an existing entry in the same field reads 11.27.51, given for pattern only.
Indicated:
1.26.19
